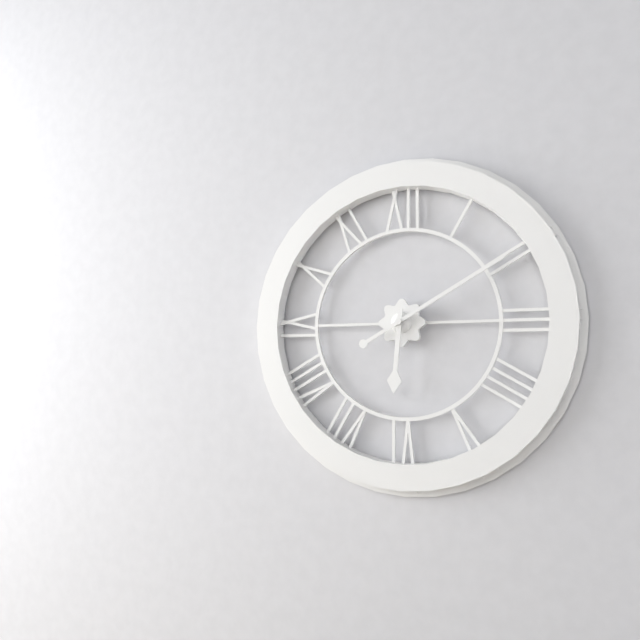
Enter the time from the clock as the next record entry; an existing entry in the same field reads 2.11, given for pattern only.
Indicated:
6.10
